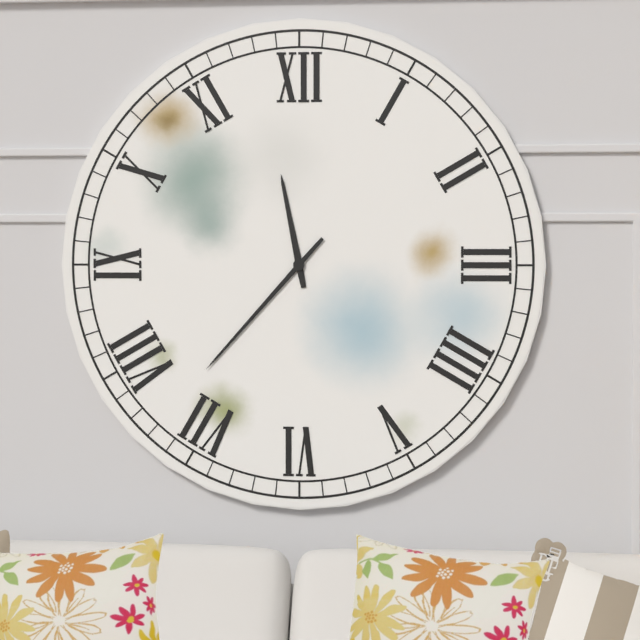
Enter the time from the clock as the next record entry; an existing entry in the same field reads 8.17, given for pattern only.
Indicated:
11.37
